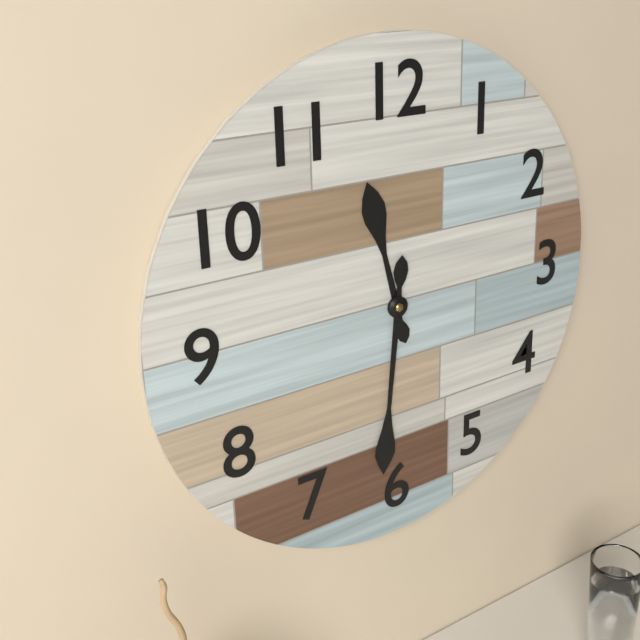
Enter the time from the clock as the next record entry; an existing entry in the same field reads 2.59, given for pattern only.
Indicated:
11.31
